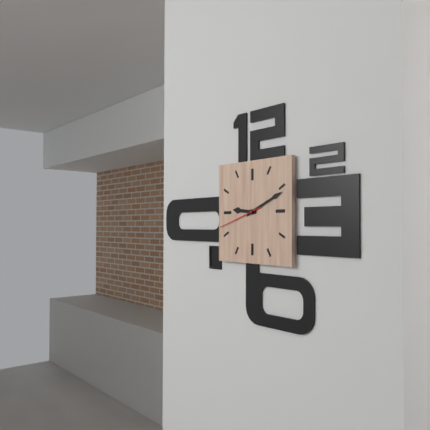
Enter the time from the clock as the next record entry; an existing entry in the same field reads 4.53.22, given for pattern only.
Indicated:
9.11.42
